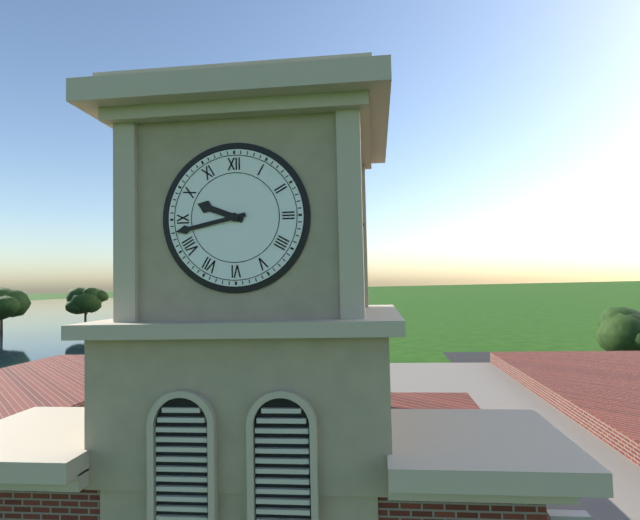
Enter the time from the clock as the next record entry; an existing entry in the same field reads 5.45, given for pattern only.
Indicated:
9.43
